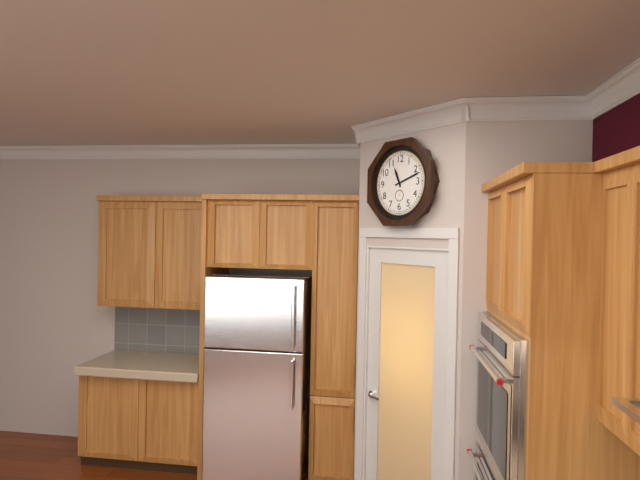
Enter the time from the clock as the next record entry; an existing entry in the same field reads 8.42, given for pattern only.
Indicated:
11.12
